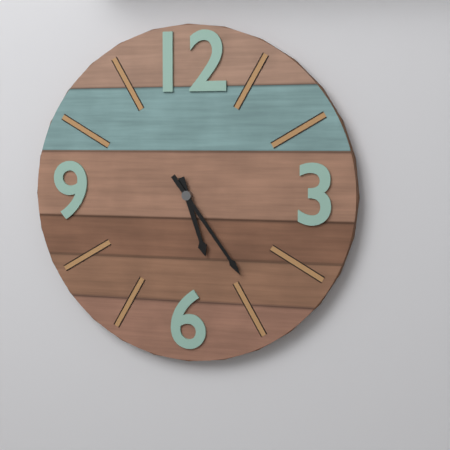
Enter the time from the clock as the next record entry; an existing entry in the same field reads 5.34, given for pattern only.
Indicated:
5.24
